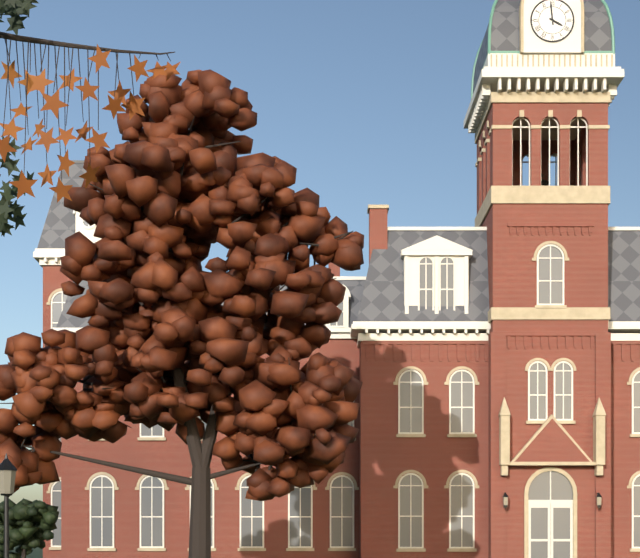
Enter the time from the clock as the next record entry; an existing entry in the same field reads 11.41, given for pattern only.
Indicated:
3.59
